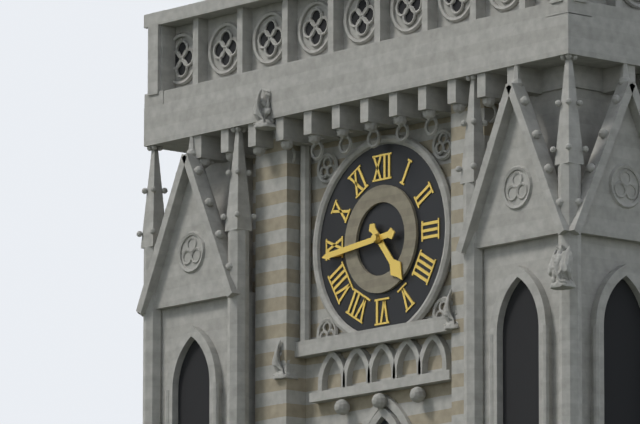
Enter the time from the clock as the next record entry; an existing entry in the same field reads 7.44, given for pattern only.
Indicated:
4.44
